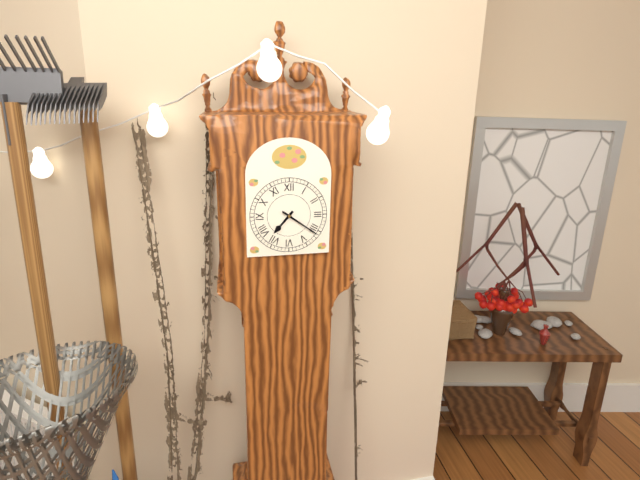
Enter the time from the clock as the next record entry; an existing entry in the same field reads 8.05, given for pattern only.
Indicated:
7.21
